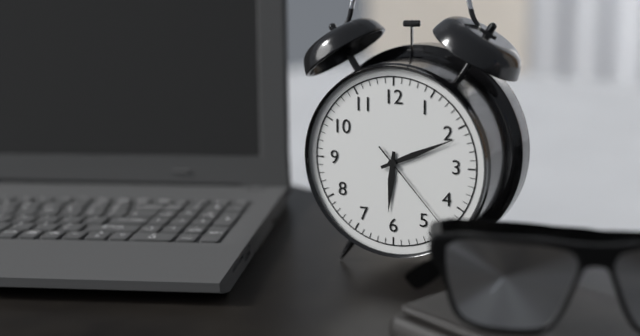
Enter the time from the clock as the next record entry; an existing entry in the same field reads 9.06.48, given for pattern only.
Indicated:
6.11.23
